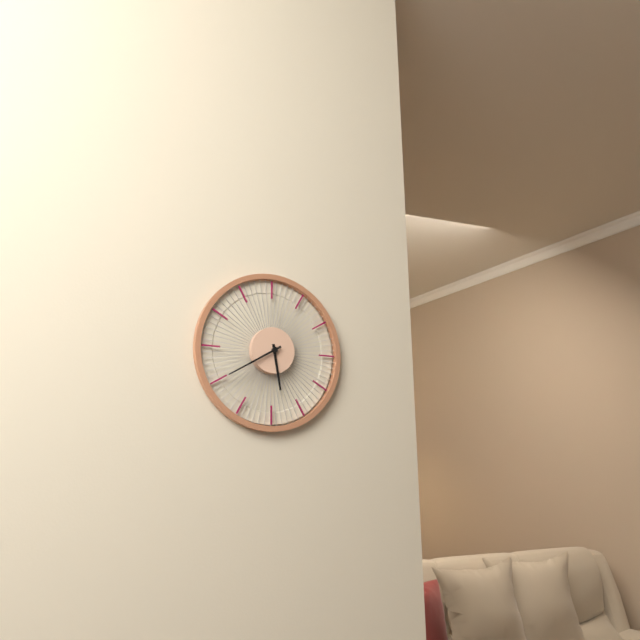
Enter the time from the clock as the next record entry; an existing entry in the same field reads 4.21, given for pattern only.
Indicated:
5.40
